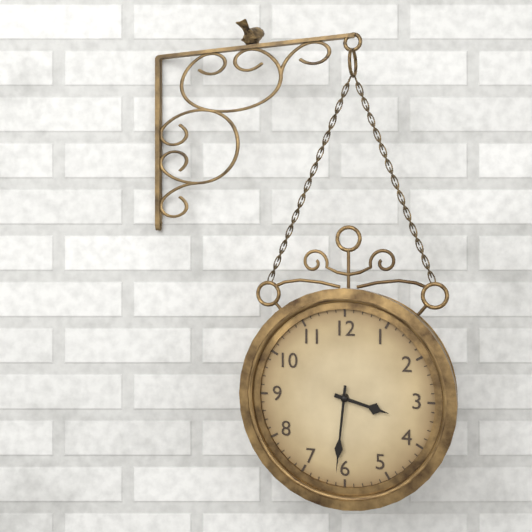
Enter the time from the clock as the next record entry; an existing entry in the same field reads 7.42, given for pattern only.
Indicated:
3.31
